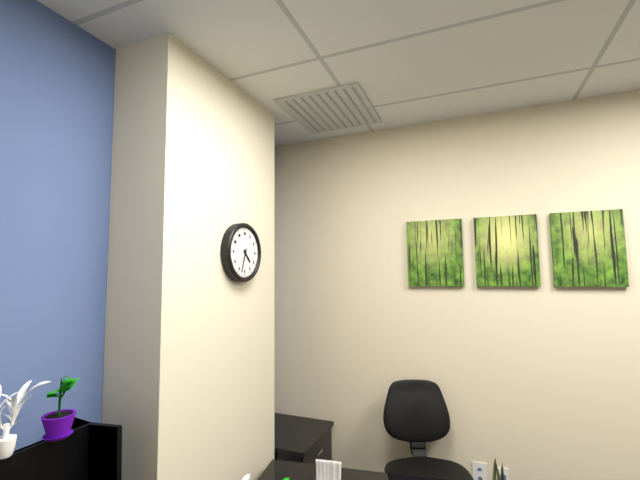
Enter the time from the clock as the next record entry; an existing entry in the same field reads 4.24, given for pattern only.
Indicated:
4.33
